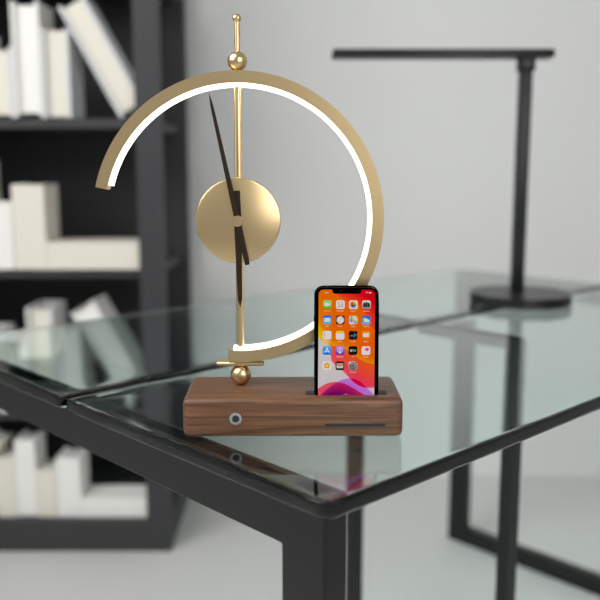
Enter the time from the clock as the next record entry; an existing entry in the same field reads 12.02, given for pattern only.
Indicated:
5.58
